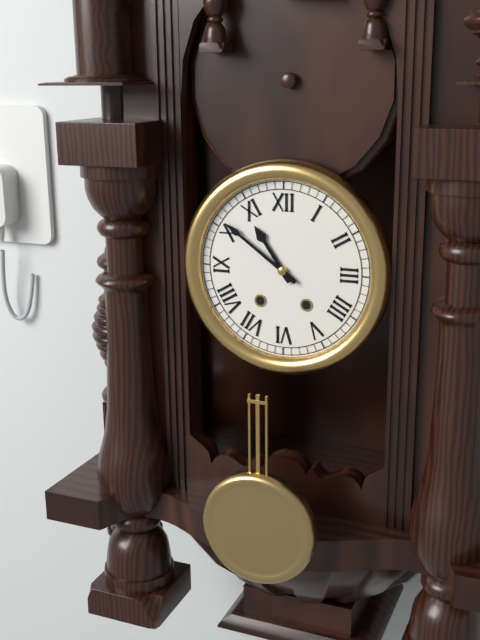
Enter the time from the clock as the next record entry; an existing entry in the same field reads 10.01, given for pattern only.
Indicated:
10.51
